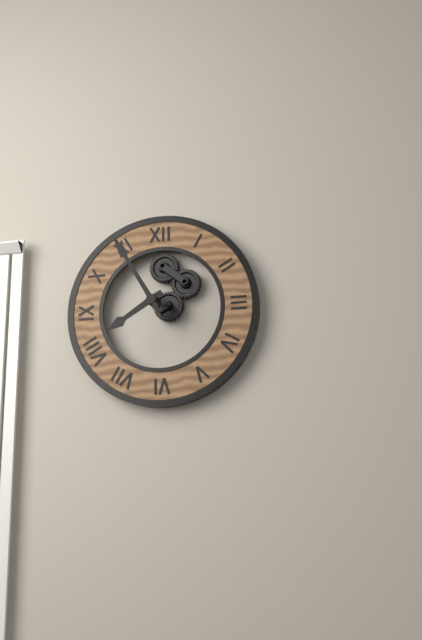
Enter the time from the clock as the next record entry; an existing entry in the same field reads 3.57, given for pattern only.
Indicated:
7.55
